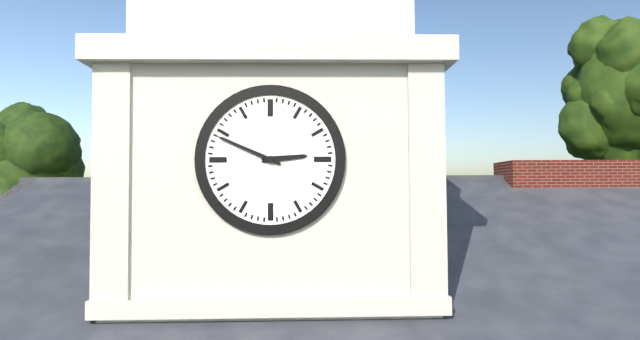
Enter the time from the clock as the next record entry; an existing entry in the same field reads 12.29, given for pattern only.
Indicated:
2.49
